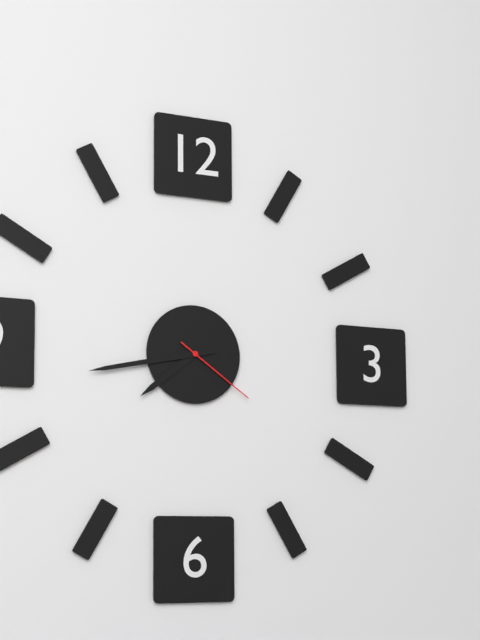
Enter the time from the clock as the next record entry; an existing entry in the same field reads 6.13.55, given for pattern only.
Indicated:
7.43.21
